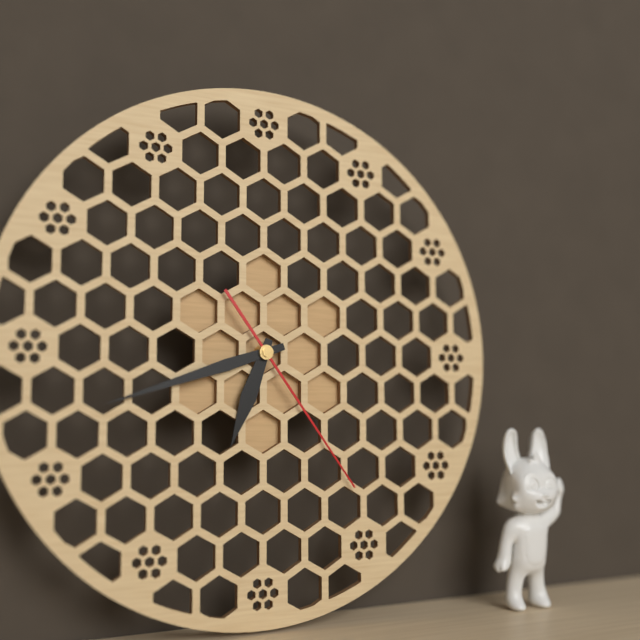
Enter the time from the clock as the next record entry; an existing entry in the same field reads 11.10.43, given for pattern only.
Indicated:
6.42.24
